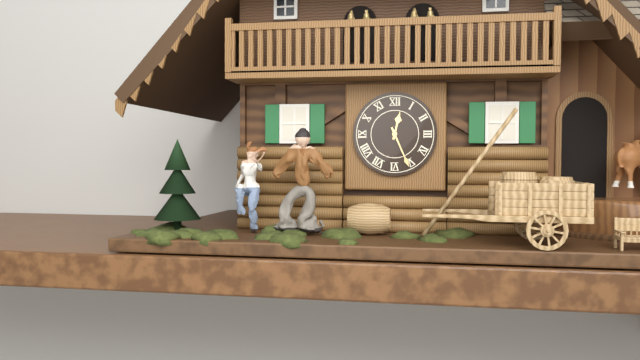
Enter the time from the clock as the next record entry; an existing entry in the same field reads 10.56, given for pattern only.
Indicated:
12.26
